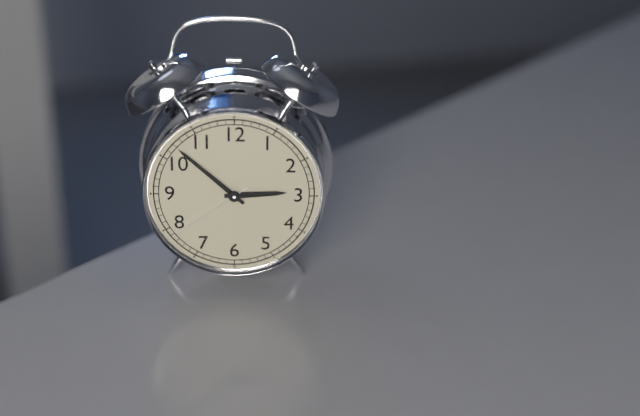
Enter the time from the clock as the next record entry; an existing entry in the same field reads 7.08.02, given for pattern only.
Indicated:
2.52.39
